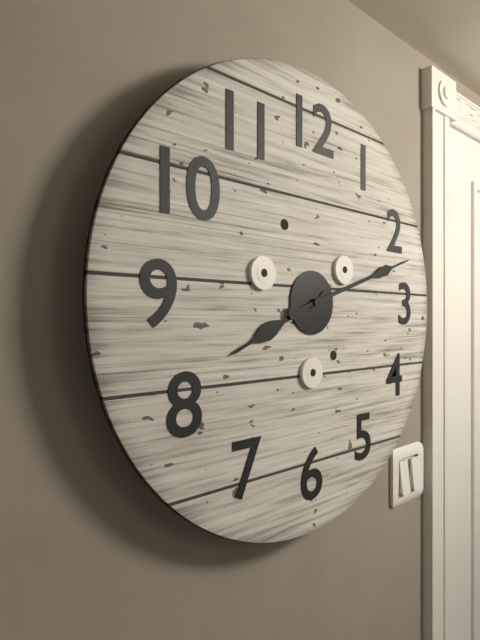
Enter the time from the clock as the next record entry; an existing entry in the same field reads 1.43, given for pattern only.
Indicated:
8.12
